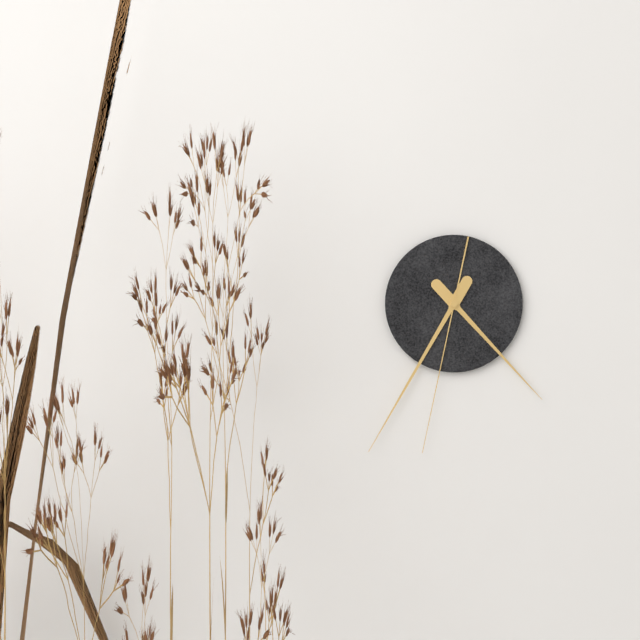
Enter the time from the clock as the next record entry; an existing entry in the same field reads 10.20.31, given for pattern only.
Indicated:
4.35.32
